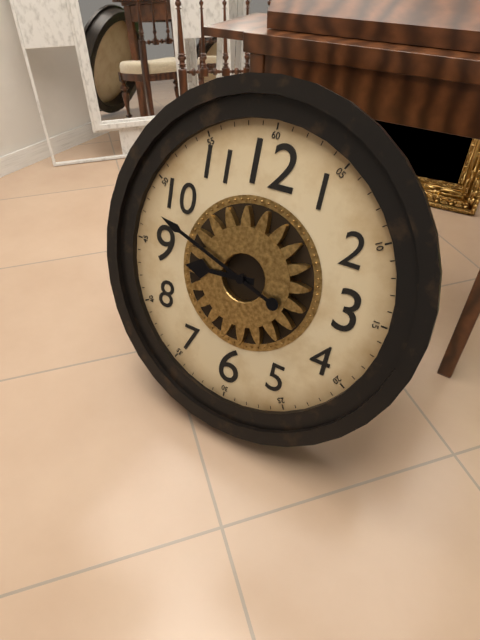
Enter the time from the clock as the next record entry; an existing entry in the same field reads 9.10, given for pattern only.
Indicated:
8.48
